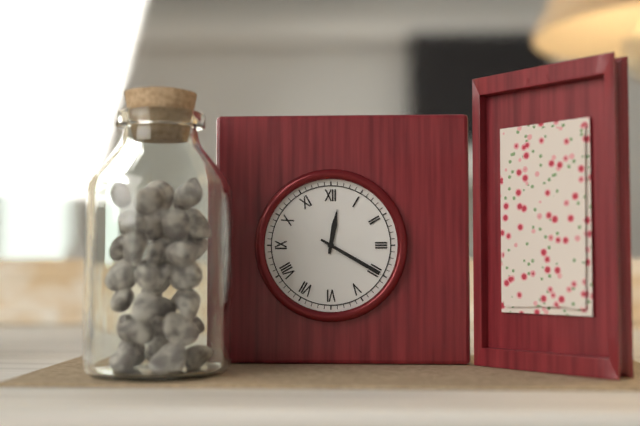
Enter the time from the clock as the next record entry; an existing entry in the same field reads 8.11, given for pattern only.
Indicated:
12.20
